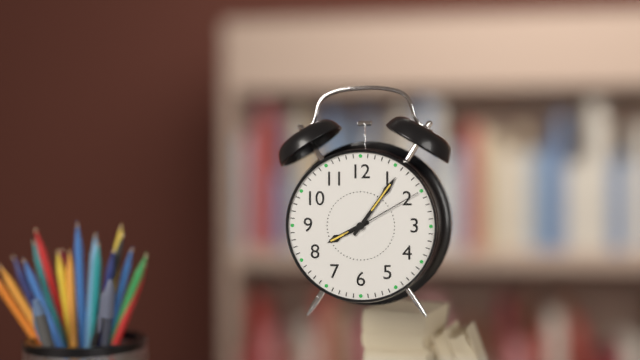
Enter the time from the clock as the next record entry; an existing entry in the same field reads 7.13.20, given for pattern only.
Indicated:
8.06.10
